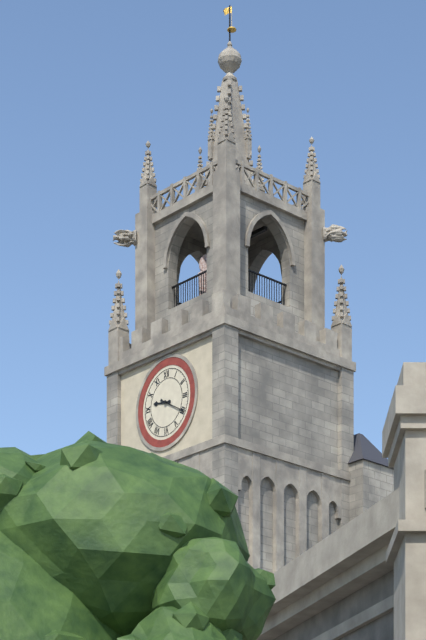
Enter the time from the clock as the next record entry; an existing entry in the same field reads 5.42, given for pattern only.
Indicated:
9.20
